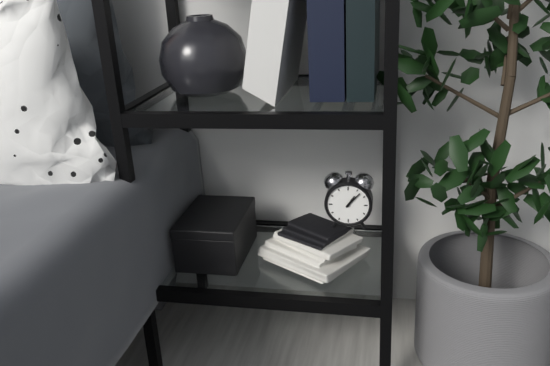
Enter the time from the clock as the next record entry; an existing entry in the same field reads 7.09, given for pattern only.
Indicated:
1.07
